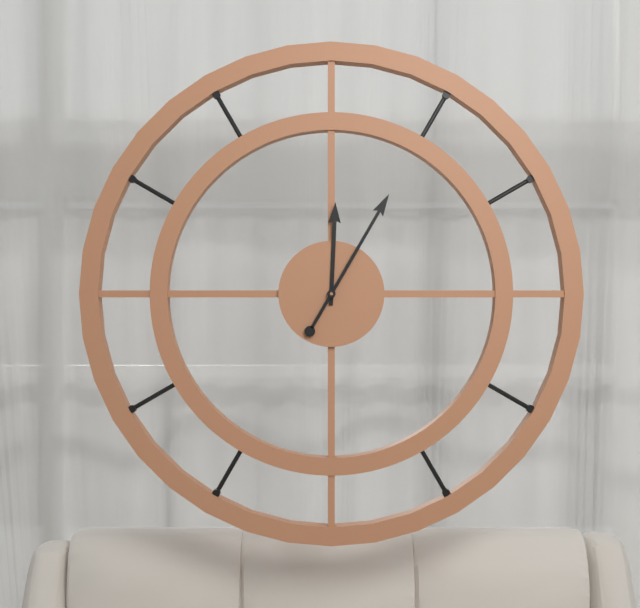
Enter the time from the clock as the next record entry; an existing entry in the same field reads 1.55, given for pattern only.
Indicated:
12.05
